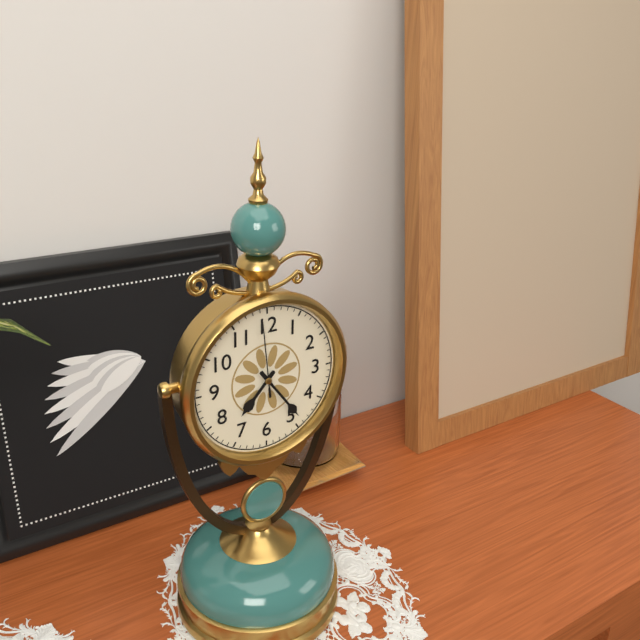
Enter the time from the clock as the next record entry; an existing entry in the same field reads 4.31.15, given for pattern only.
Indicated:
7.24.59
